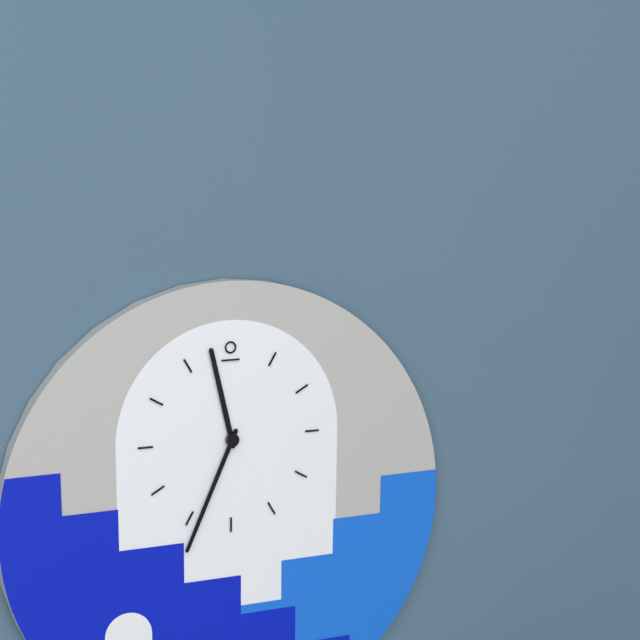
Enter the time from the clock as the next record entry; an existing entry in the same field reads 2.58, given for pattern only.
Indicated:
11.34
